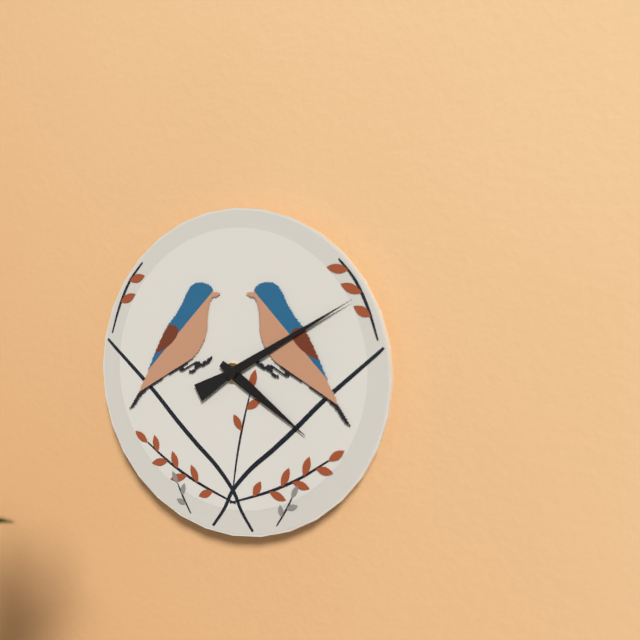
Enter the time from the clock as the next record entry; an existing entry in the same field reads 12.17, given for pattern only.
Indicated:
4.10
